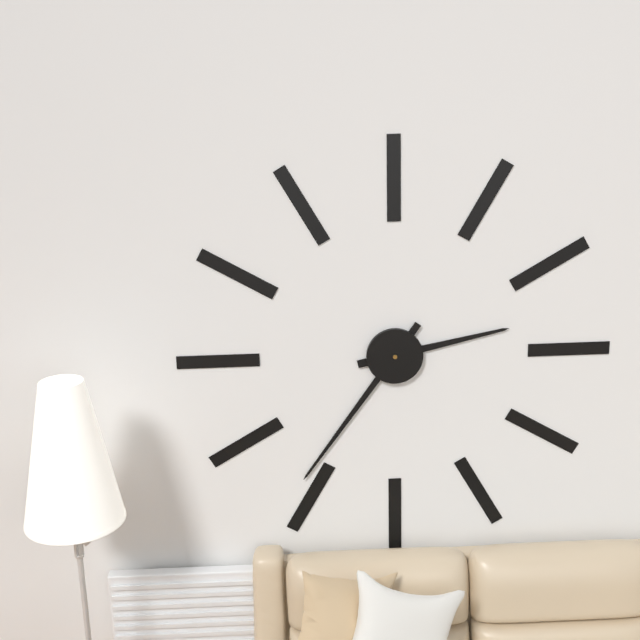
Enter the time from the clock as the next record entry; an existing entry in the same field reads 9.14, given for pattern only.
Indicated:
2.36
